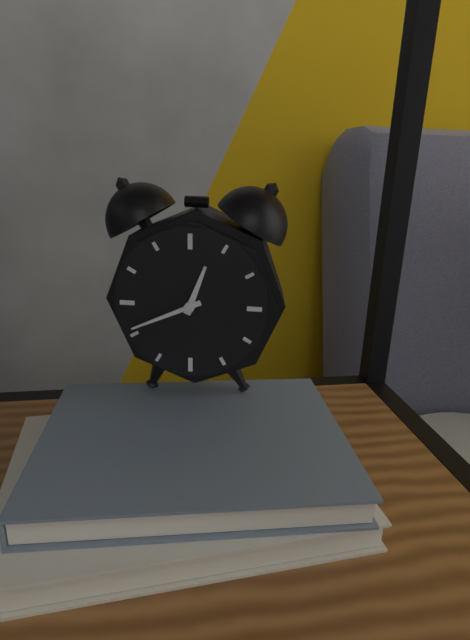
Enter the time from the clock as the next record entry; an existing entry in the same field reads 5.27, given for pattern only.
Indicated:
12.41
